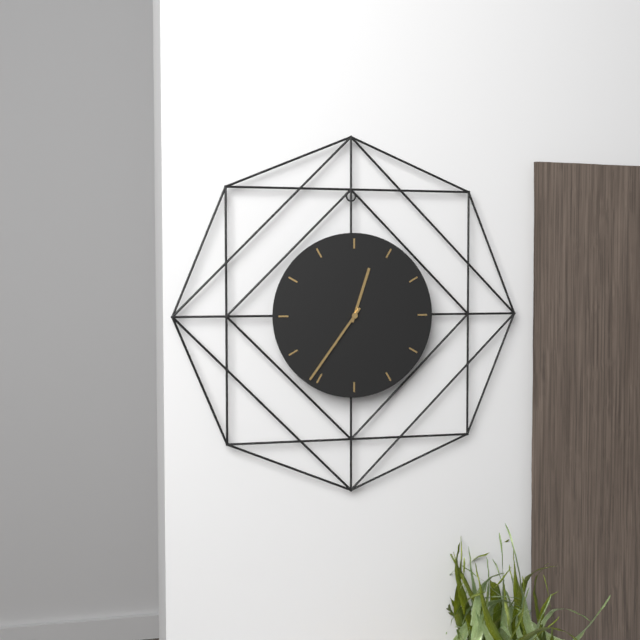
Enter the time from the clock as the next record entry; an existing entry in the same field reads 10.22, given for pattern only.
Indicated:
12.36
